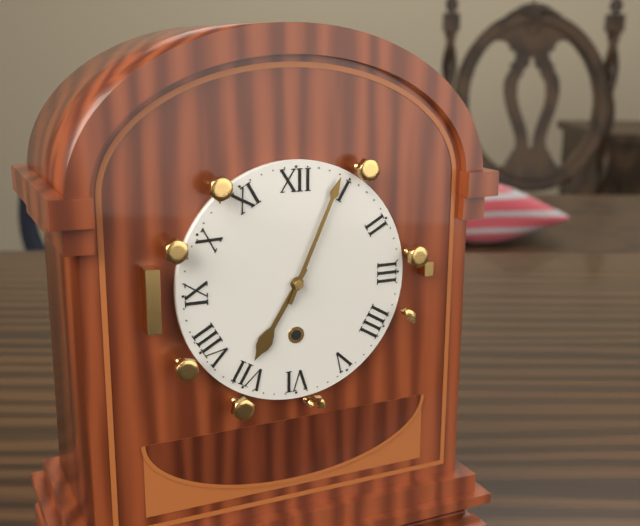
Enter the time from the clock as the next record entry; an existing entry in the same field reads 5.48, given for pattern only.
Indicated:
7.04
